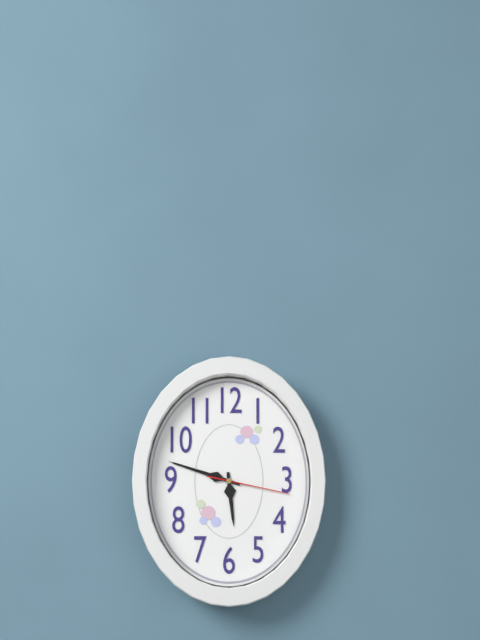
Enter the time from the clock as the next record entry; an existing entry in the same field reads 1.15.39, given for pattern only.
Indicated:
5.48.17
